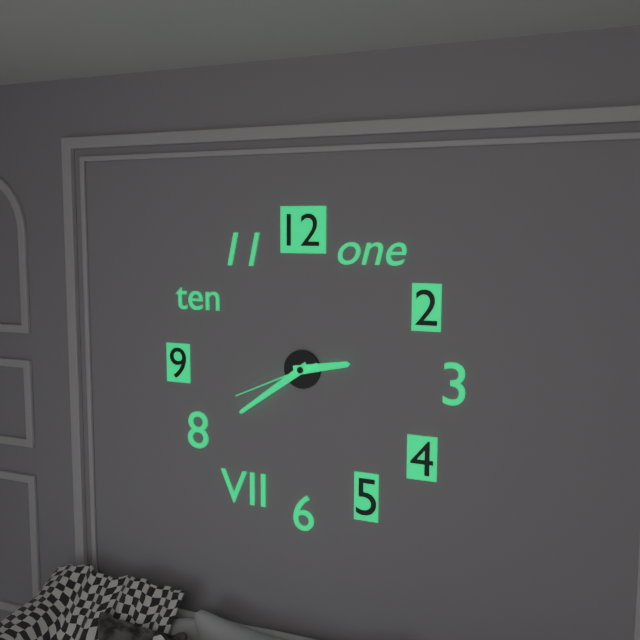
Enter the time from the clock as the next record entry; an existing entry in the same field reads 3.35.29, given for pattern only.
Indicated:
2.39.41
